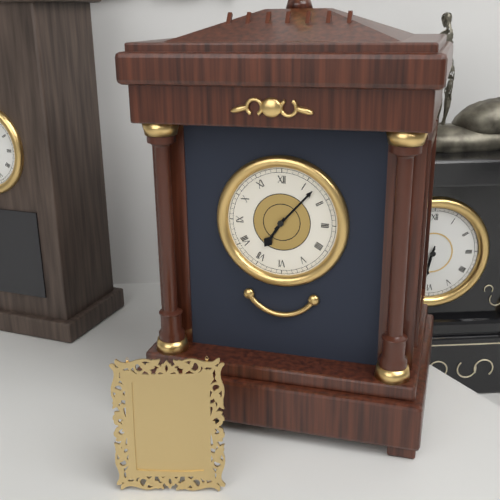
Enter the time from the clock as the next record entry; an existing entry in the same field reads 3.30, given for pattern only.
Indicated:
7.07
